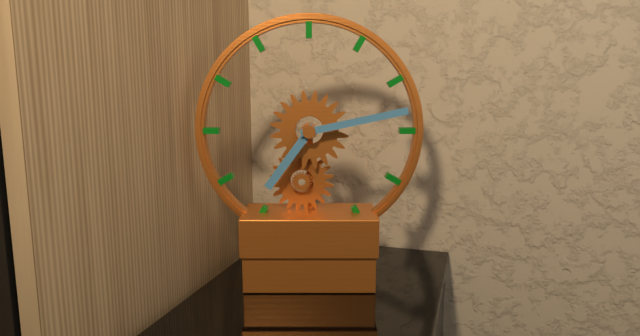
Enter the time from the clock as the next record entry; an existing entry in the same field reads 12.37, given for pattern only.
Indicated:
7.13
